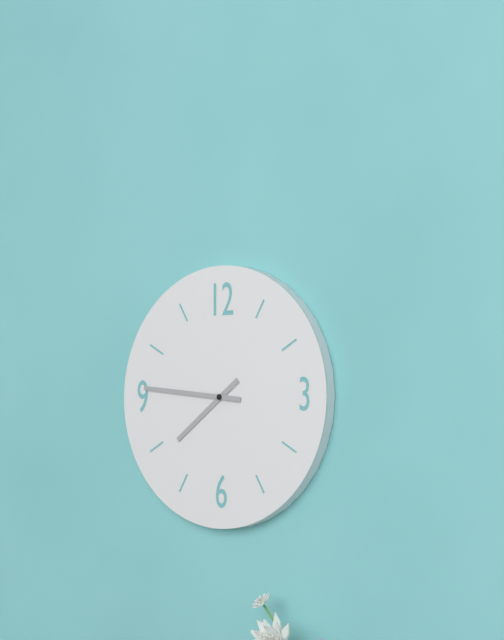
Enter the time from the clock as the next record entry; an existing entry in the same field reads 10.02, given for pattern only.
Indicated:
7.46
